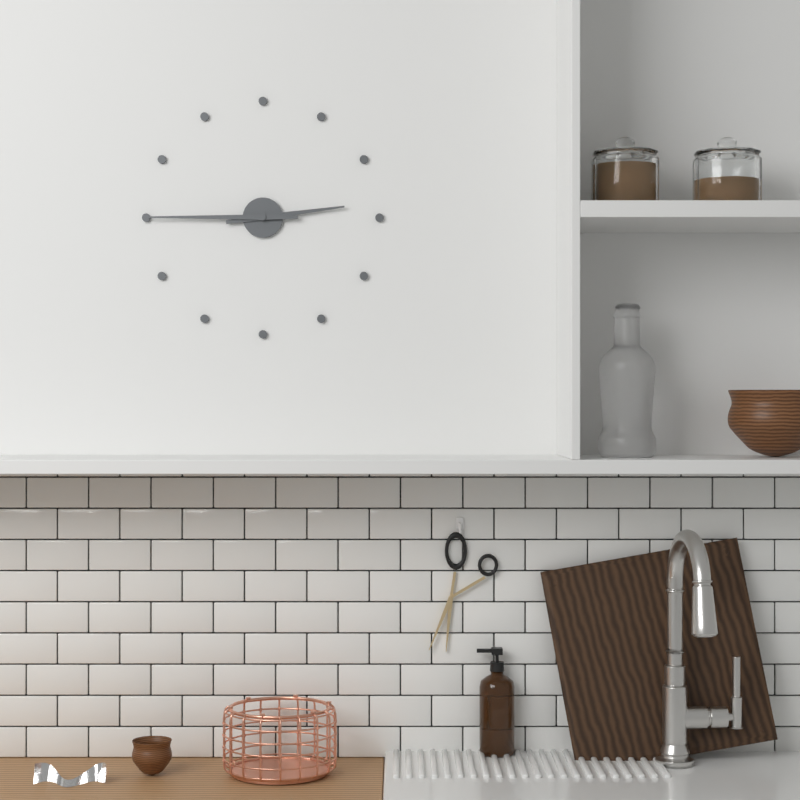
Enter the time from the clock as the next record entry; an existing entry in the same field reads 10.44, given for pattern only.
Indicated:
2.45
